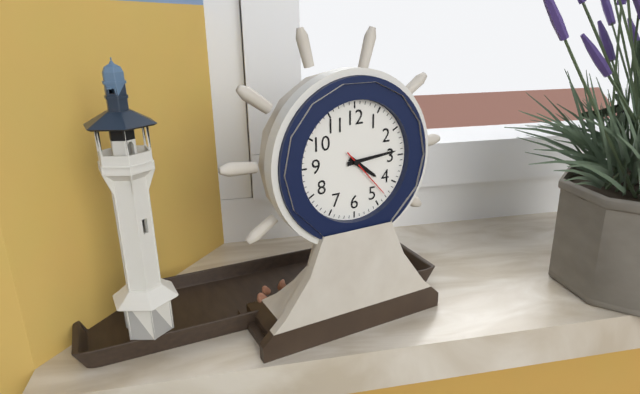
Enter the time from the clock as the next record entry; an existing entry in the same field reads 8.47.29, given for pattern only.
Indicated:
4.14.23
